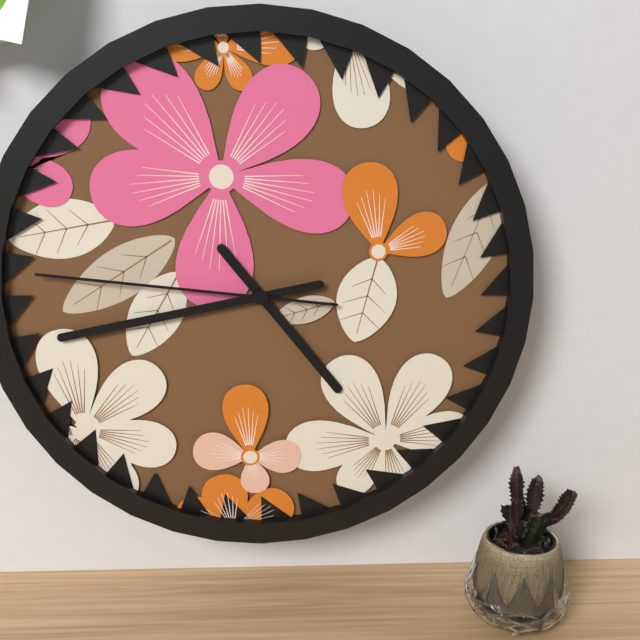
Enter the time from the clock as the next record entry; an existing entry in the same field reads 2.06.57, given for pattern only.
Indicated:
4.43.46
